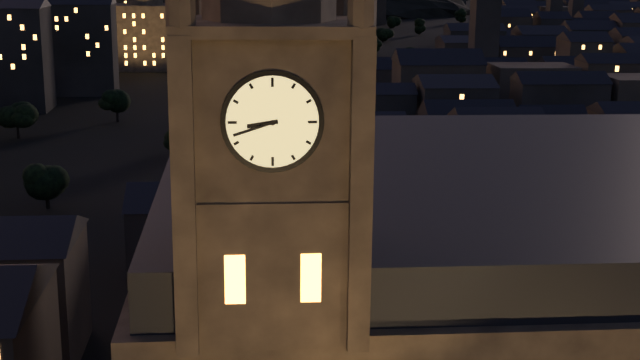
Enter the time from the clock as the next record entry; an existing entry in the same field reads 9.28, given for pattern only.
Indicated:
8.42
